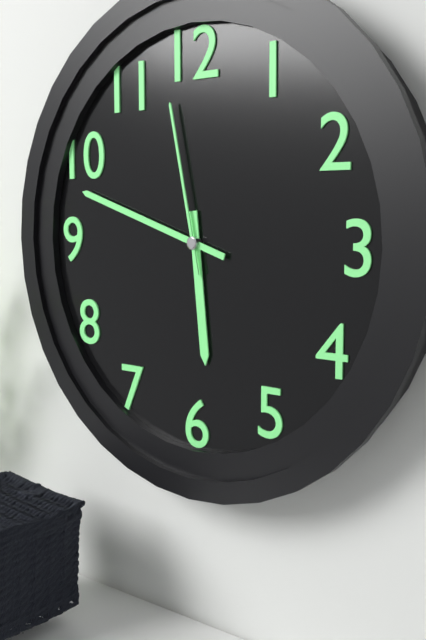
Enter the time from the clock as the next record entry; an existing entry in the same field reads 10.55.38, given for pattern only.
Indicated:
5.48.58
